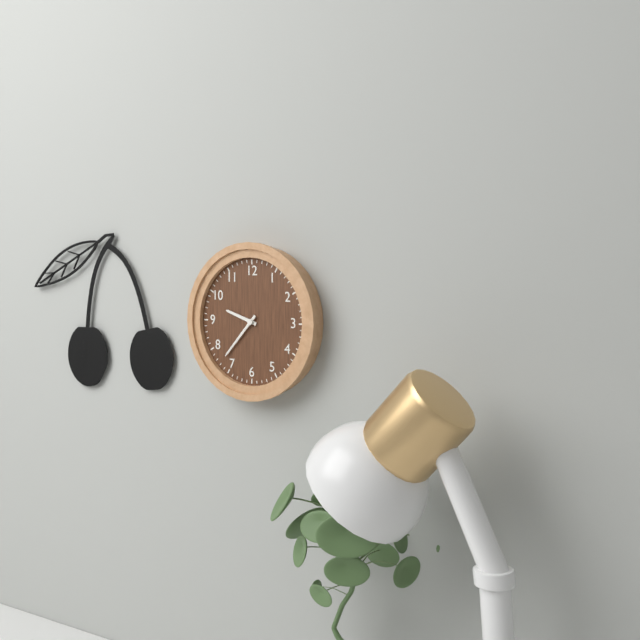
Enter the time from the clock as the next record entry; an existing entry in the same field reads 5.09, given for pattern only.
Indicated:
9.37
